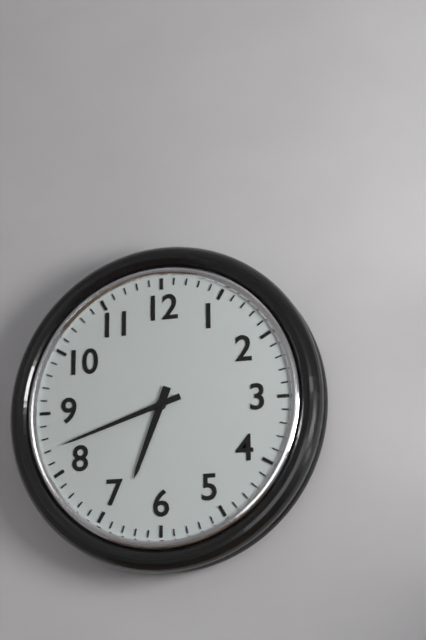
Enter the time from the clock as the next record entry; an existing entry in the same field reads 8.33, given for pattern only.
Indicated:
6.42
